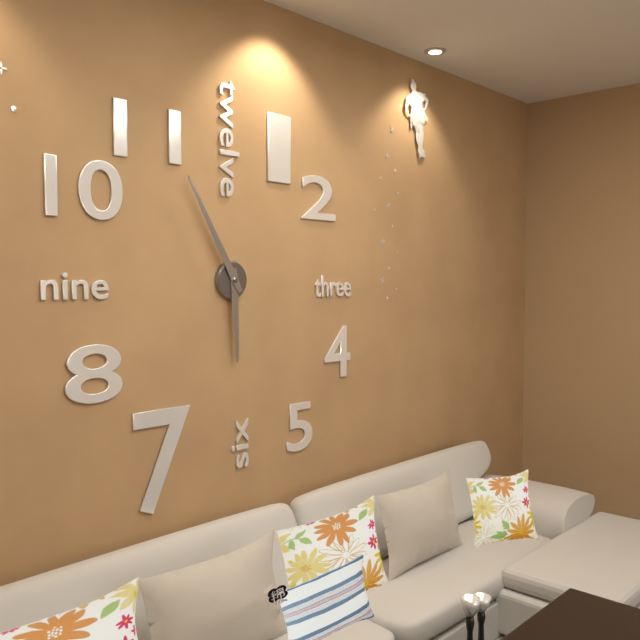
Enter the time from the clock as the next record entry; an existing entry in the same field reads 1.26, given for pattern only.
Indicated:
5.55
